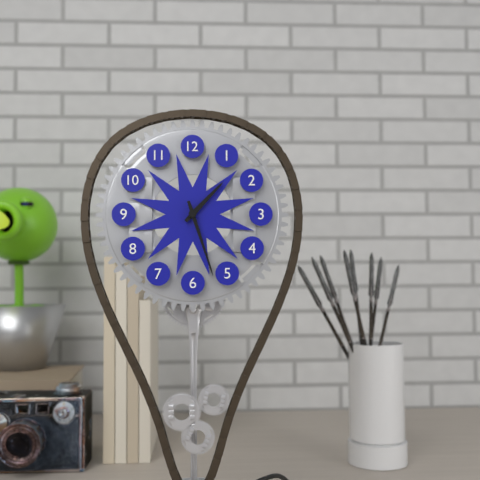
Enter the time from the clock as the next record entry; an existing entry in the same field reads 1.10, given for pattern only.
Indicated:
1.27
